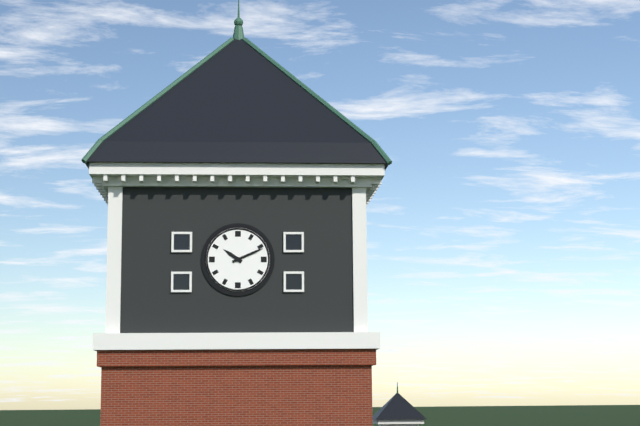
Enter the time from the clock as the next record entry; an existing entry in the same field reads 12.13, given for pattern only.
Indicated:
10.11
